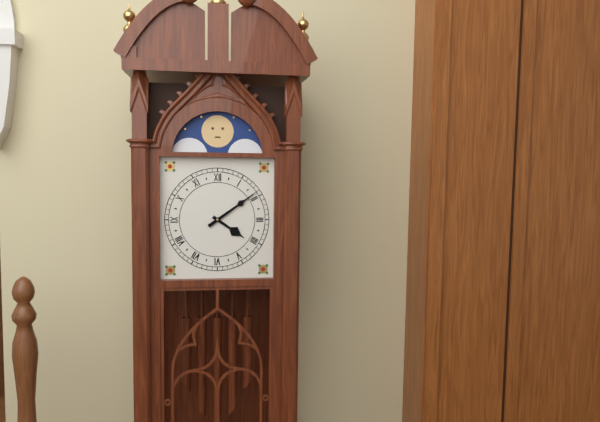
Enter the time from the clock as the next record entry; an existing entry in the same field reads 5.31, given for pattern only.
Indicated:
4.09
